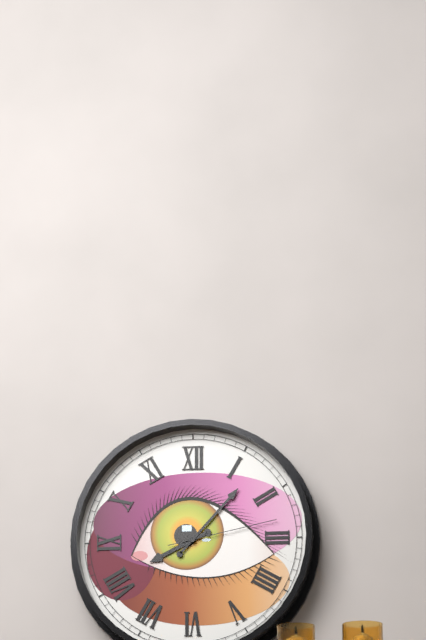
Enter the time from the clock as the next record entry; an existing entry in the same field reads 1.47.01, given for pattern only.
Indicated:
8.07.13
